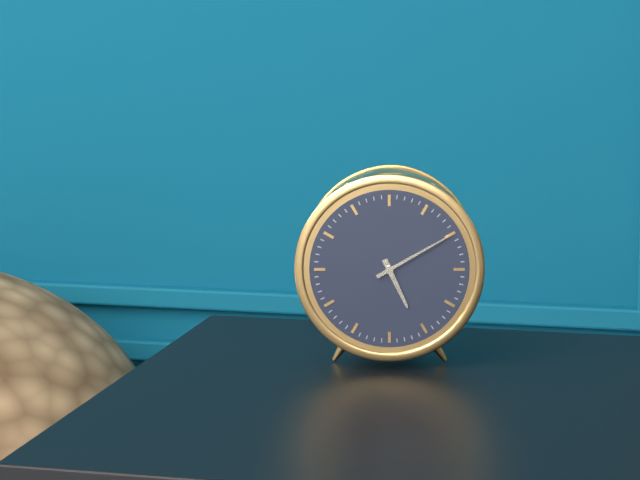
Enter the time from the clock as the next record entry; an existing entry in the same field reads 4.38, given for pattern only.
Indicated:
5.10
